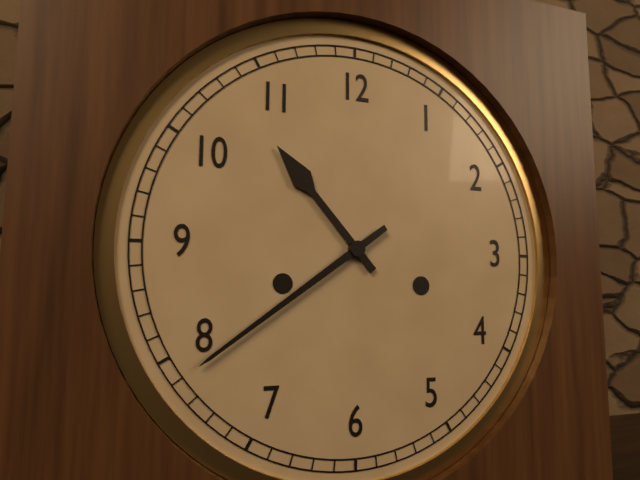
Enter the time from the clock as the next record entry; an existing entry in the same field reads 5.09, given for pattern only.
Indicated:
10.39
